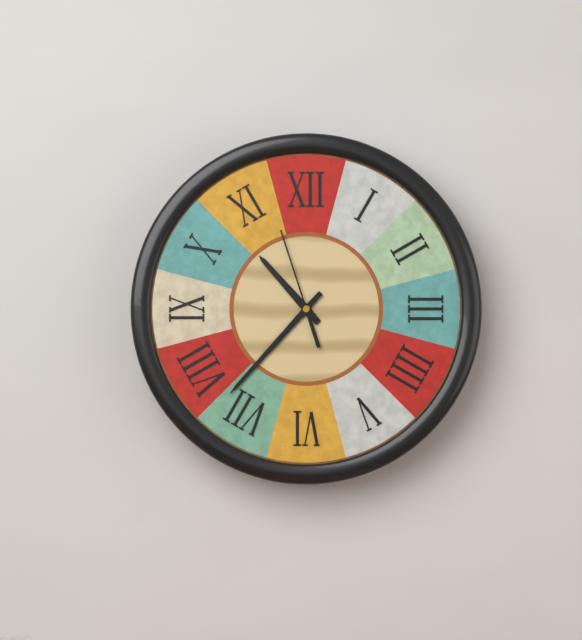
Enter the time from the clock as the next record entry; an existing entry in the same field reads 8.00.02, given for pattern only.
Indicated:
10.37.57
